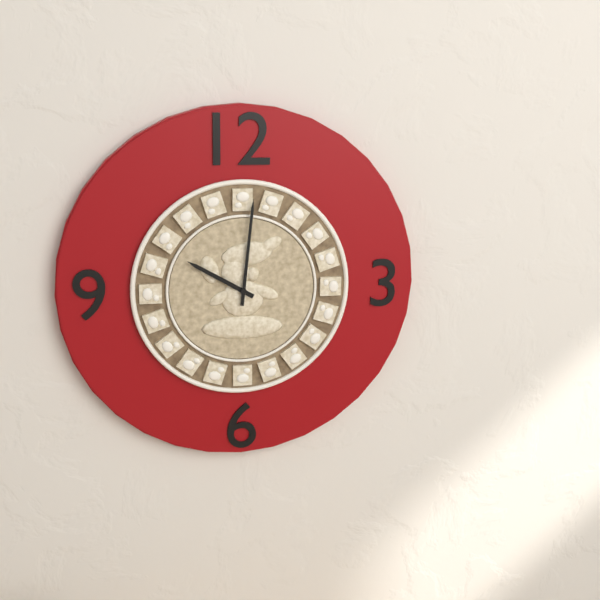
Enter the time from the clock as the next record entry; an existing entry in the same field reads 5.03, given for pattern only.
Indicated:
10.01
